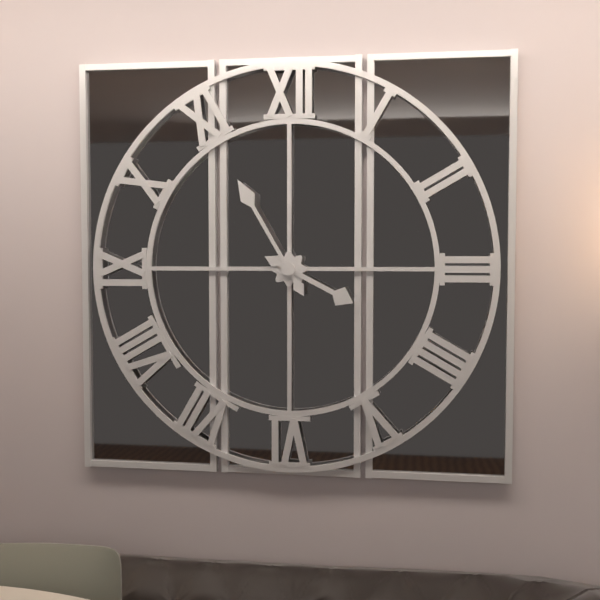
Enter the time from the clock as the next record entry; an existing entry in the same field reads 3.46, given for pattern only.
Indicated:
3.55
